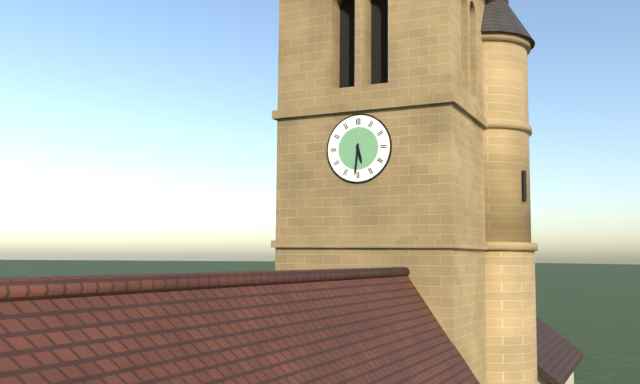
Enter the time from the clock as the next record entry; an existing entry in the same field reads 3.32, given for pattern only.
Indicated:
5.31
